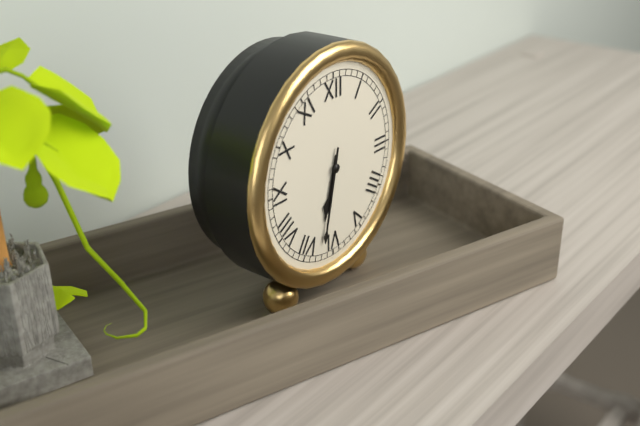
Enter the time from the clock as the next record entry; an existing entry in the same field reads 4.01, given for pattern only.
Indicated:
6.32
